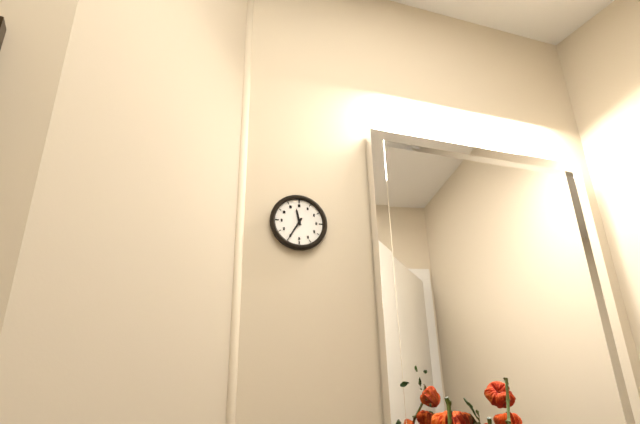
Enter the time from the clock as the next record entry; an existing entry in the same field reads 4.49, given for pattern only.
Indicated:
11.35
